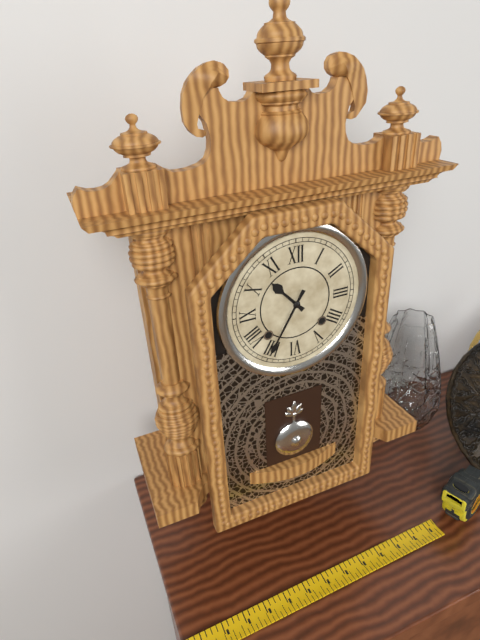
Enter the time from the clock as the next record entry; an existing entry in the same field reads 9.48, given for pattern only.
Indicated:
10.35
